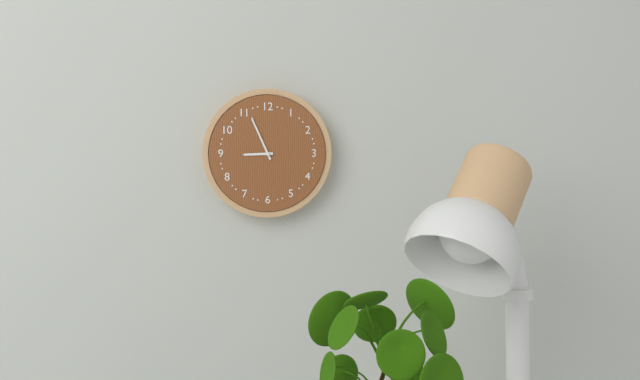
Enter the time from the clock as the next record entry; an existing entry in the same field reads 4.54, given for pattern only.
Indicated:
8.56
